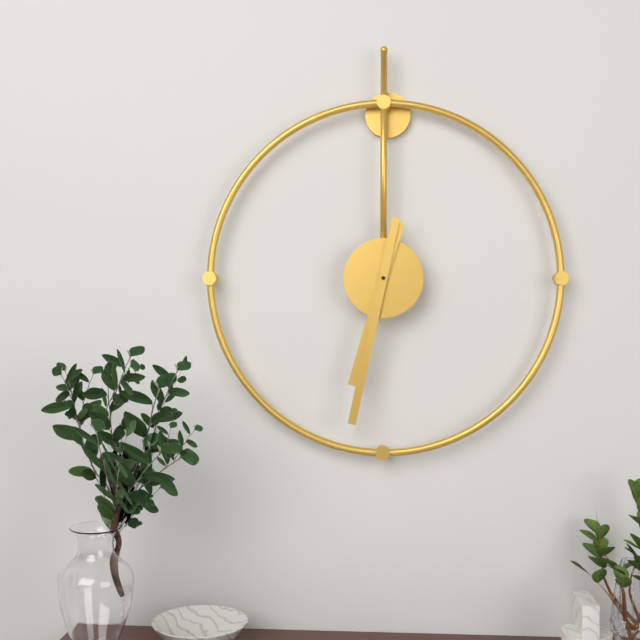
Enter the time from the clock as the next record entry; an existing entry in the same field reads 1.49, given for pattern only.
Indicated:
6.32
